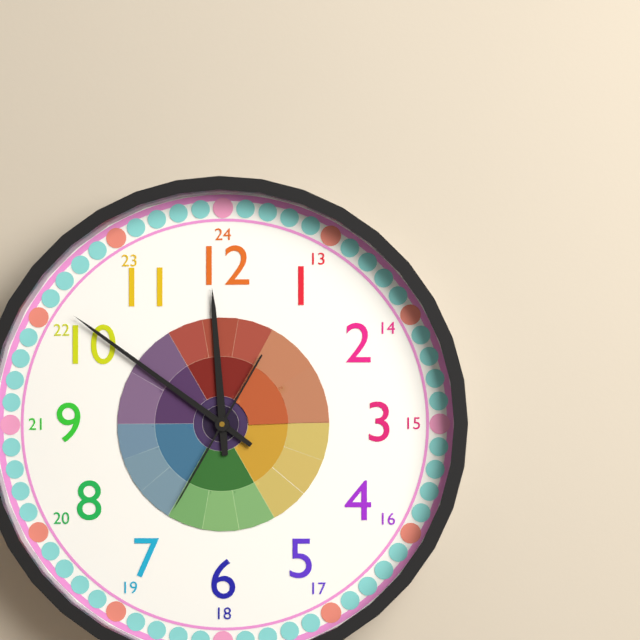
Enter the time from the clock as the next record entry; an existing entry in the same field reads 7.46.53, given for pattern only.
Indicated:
11.51.35
